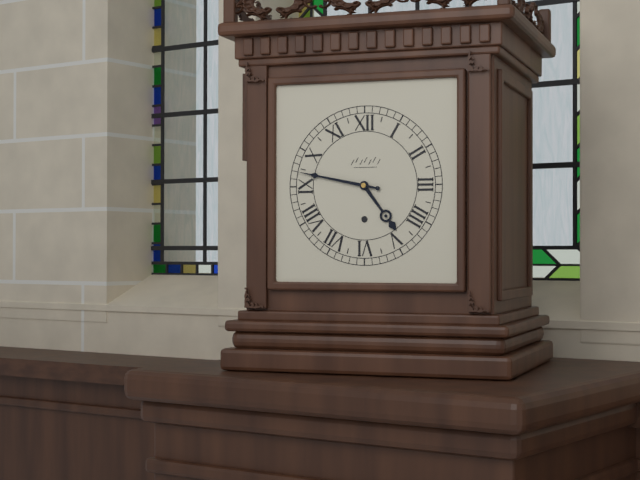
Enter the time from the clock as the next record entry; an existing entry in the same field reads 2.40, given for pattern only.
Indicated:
4.47
